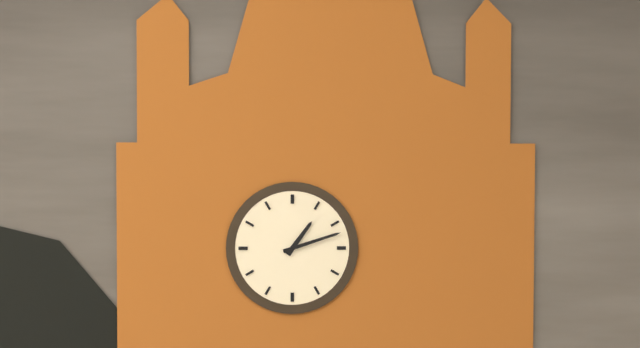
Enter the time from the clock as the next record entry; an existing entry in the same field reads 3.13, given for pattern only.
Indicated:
1.12
